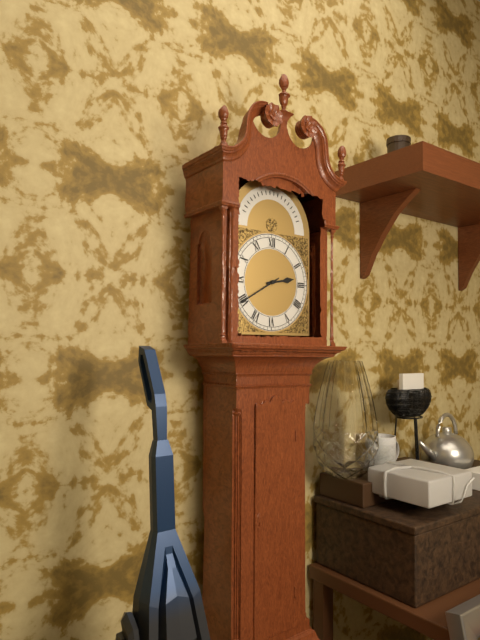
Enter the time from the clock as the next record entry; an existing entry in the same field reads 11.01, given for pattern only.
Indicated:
2.40
